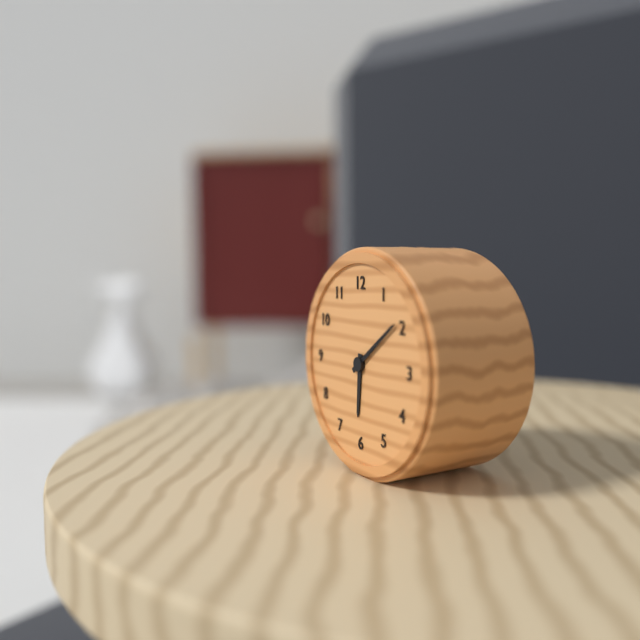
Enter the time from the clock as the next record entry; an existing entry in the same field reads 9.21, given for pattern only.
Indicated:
6.09
